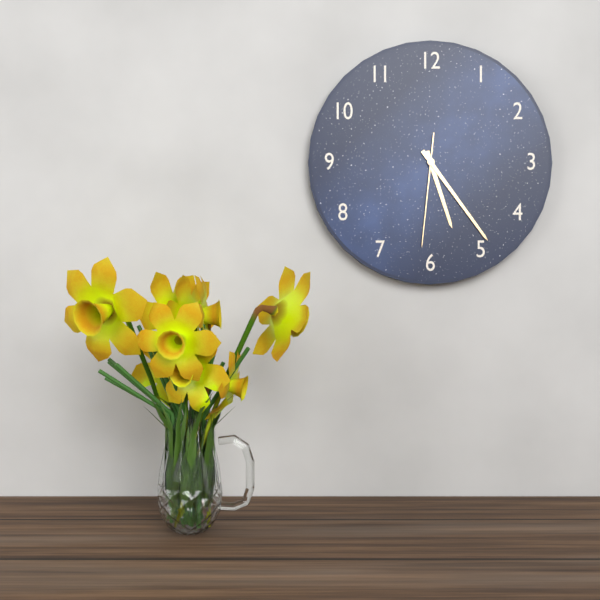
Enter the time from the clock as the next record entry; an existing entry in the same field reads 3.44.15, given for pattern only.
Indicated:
5.24.31
